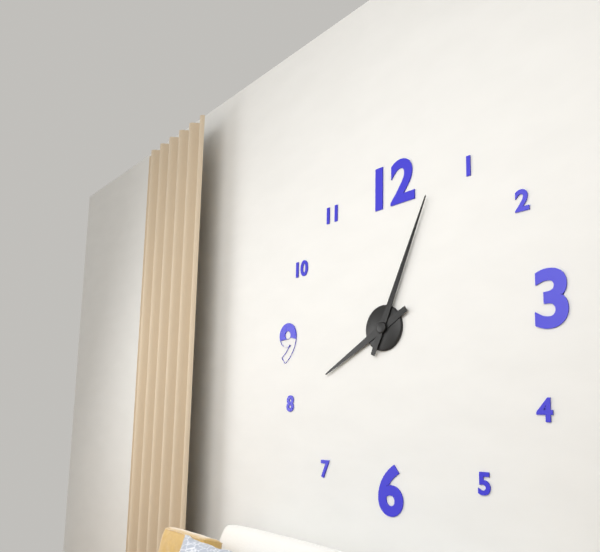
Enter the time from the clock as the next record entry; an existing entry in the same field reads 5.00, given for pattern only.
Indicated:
8.04
